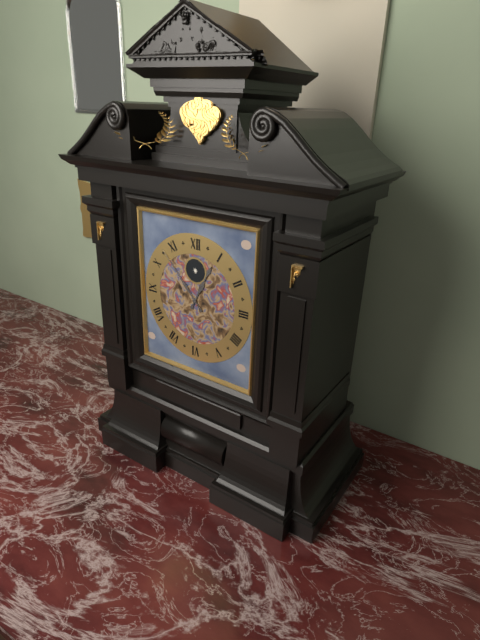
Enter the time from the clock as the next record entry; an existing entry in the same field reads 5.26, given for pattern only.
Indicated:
12.53
